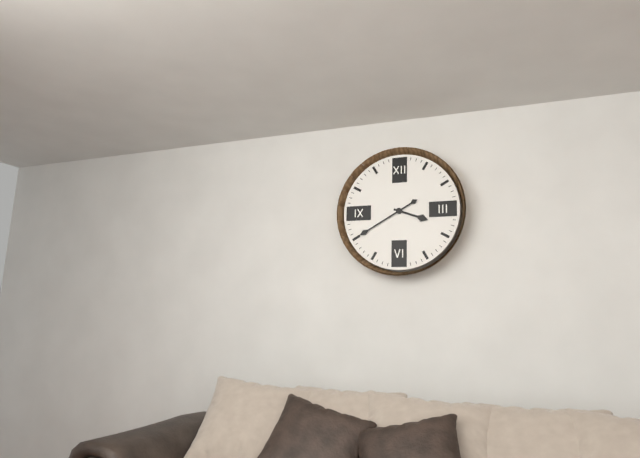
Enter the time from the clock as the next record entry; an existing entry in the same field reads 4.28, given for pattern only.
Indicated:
3.40
